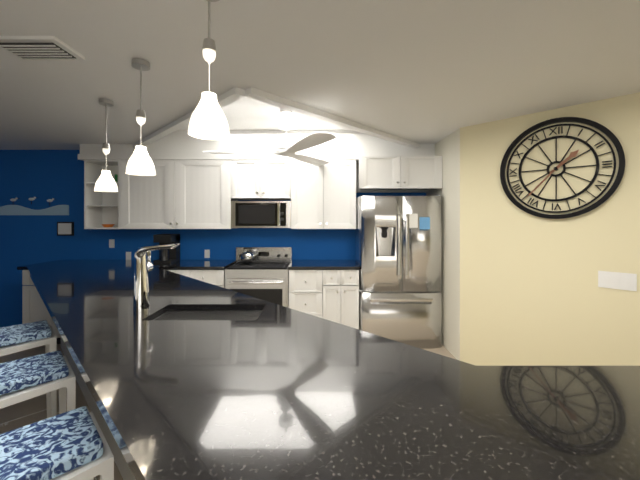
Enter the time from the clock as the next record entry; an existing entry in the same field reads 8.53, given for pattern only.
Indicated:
1.37
